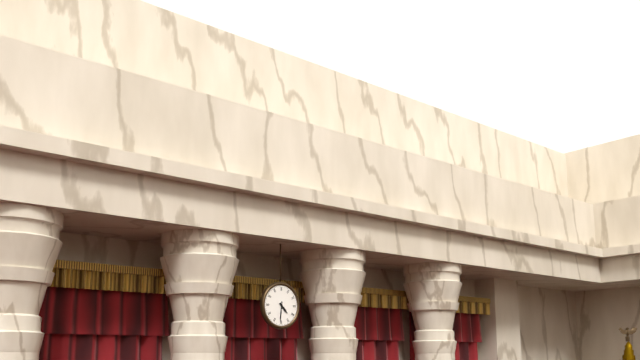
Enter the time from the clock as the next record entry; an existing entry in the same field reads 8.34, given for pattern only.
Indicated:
4.31
